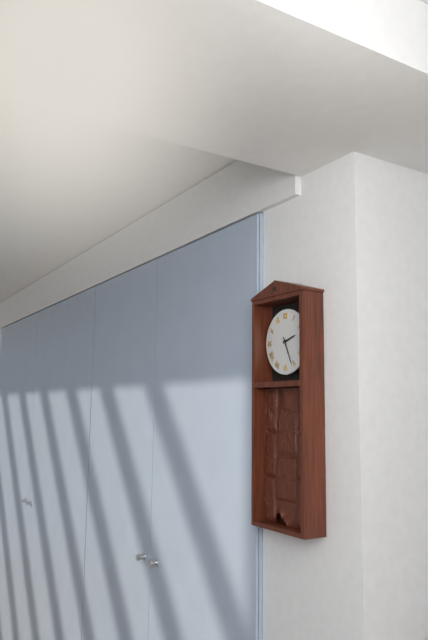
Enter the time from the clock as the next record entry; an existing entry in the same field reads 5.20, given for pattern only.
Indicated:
2.26
